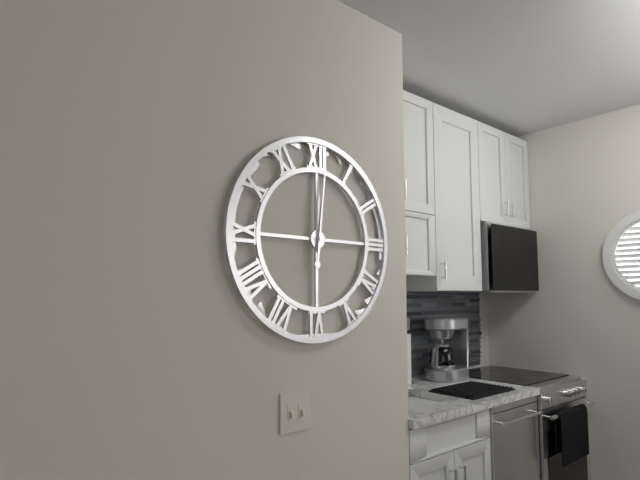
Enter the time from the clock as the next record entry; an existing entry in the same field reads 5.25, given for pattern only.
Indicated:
12.01
